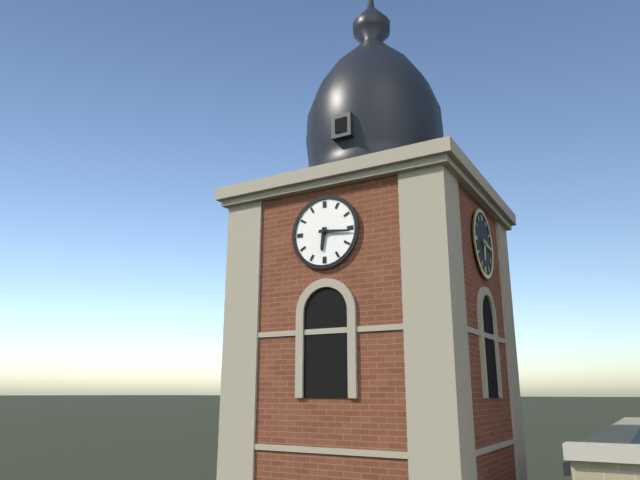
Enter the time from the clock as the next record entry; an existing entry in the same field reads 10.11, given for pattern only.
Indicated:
6.16
